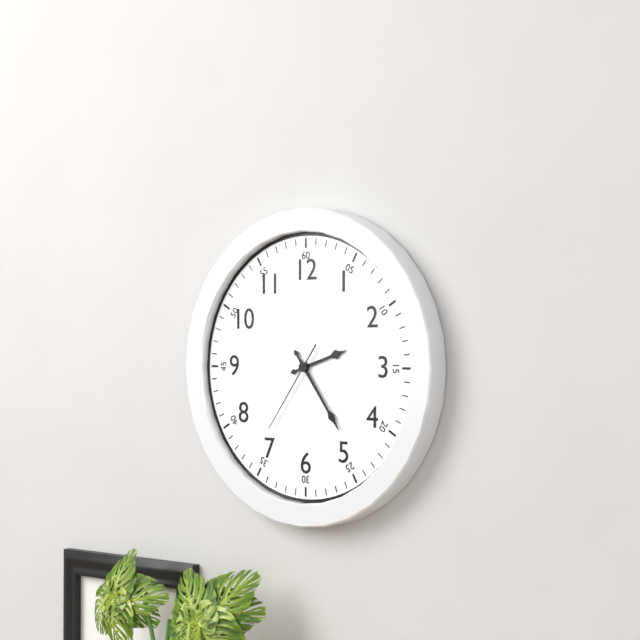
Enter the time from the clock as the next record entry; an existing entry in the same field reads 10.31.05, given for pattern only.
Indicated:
2.24.36
